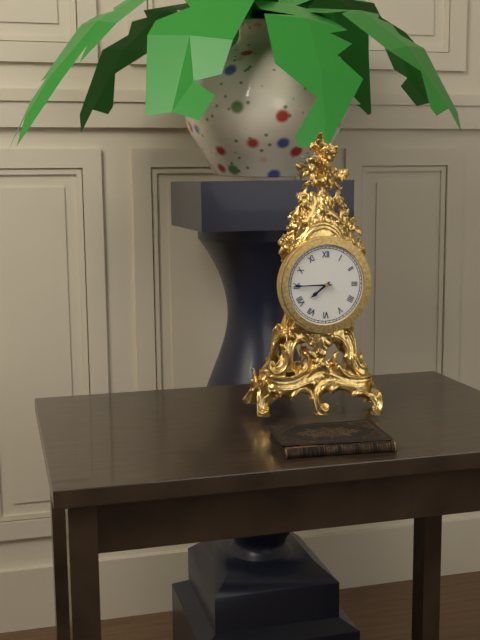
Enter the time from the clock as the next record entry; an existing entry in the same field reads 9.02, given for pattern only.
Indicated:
7.45
